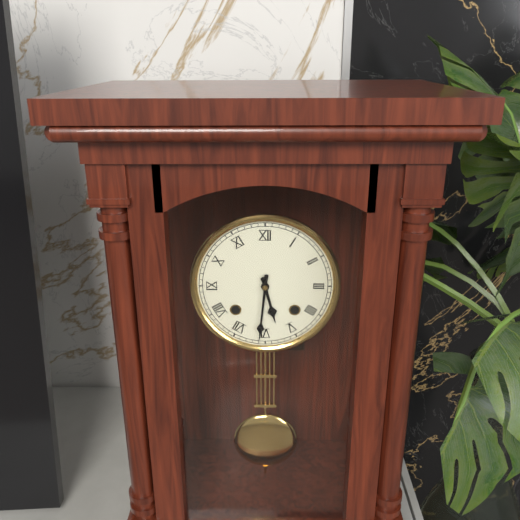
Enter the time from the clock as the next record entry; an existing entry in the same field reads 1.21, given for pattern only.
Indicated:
5.31
